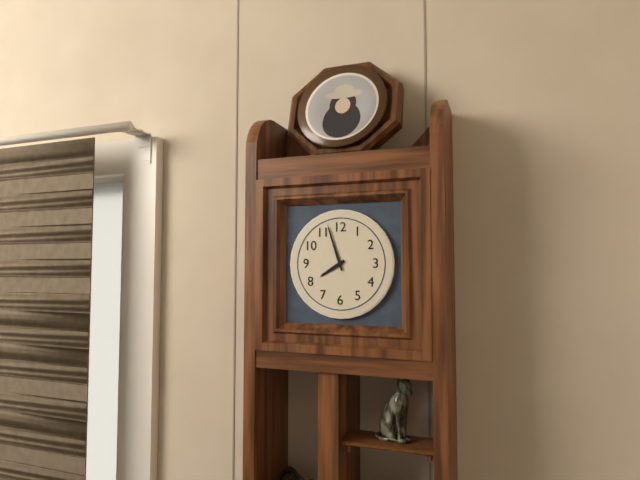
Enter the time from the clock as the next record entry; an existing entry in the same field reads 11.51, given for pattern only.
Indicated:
7.57
